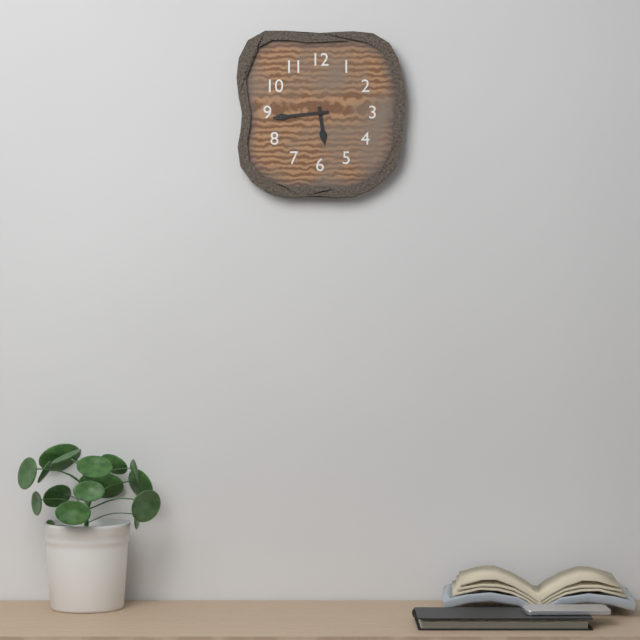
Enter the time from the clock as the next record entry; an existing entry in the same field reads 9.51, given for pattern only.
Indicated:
5.44
